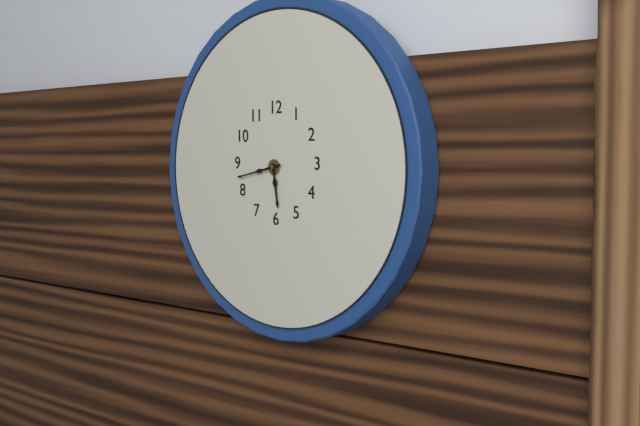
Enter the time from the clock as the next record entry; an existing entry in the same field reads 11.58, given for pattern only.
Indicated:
5.43
